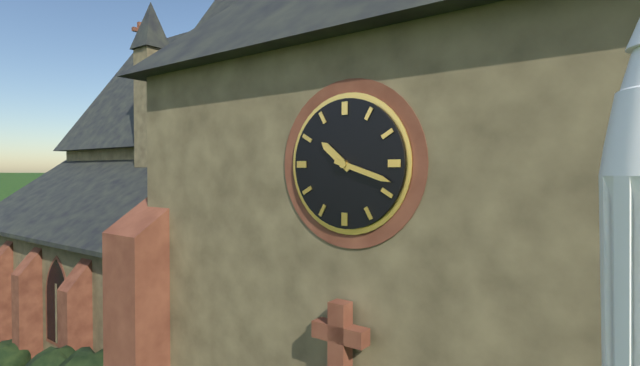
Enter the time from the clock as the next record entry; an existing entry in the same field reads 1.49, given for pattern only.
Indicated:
10.18
